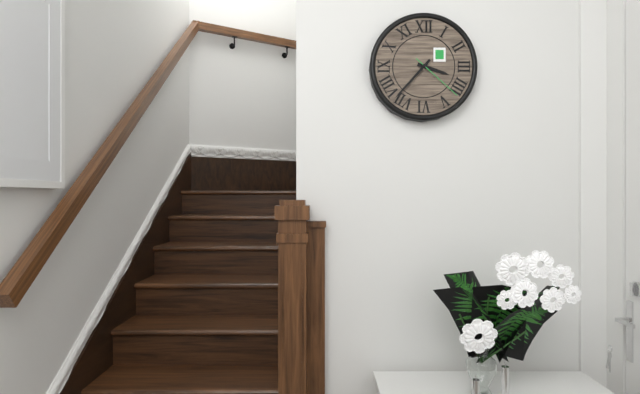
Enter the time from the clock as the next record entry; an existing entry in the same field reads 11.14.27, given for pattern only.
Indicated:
3.37.22
